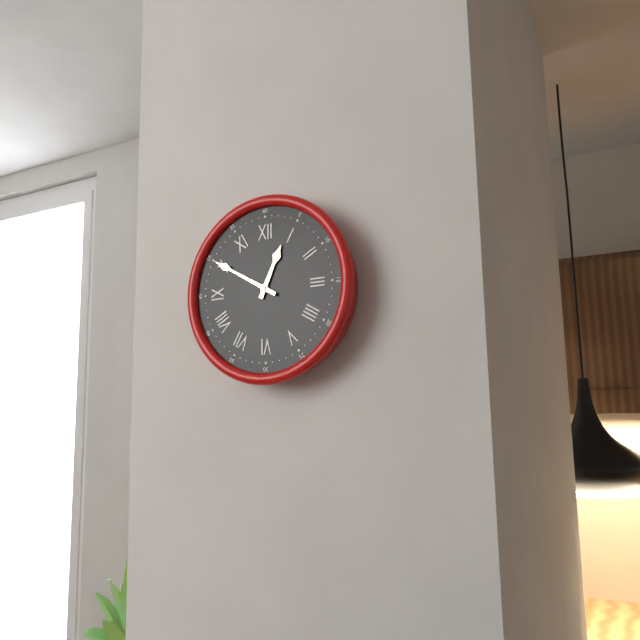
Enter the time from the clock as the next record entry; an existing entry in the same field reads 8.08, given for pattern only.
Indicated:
12.50
